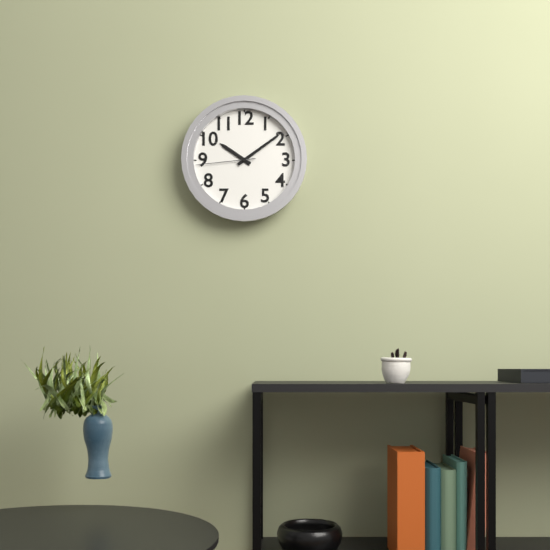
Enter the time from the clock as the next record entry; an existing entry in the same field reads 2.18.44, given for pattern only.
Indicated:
10.09.44
